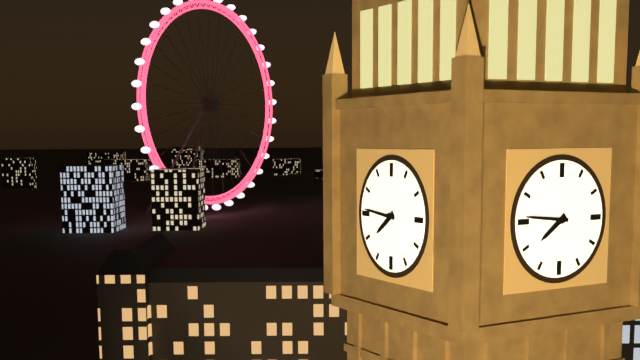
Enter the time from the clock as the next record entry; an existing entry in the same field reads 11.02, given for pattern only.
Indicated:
7.46
